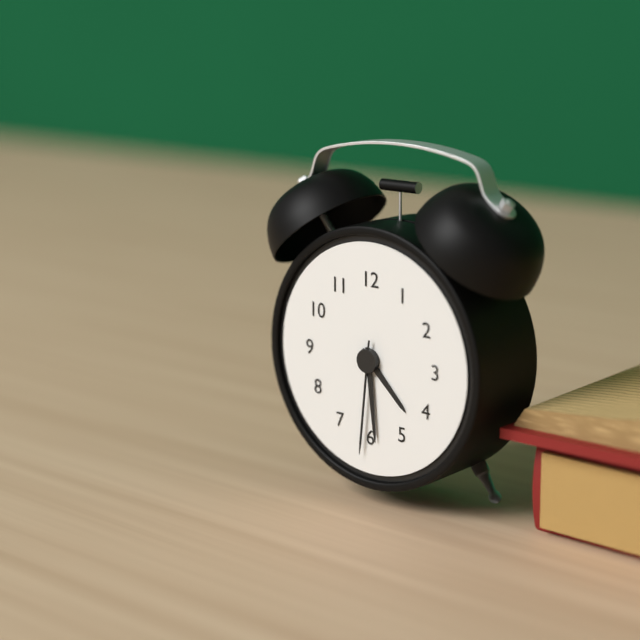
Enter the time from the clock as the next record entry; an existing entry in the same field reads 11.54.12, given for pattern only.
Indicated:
4.29.31
